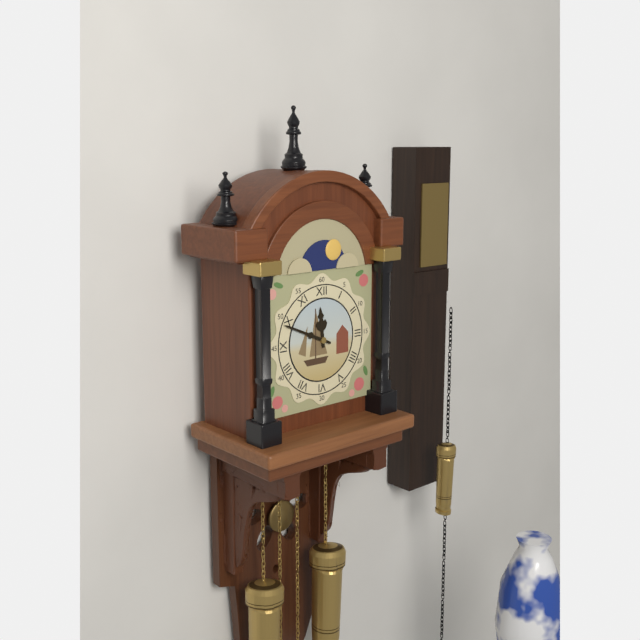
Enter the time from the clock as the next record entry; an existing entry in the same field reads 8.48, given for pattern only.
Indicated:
11.49
